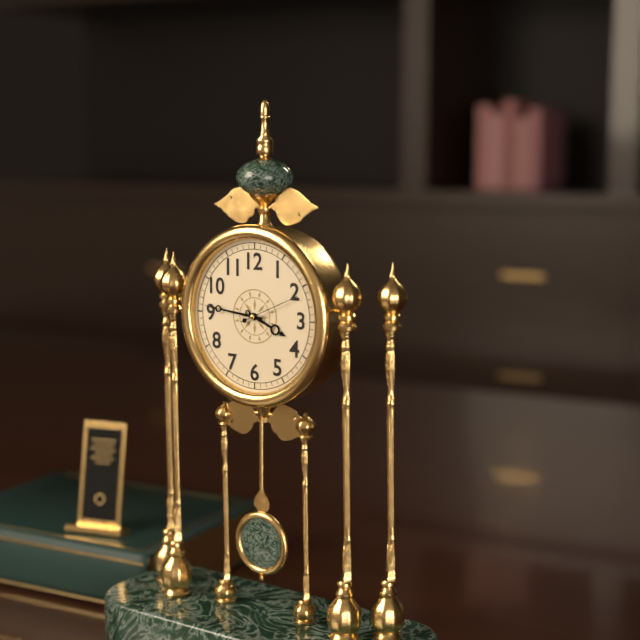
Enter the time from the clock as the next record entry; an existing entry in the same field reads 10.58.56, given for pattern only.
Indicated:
3.46.11
